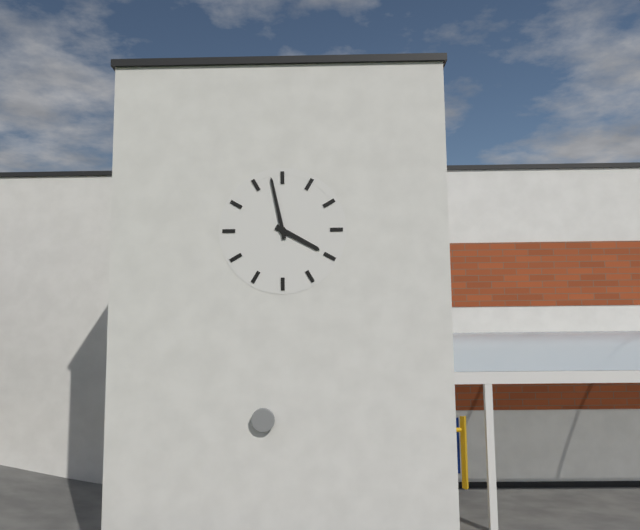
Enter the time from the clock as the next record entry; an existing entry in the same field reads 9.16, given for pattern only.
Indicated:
3.58
